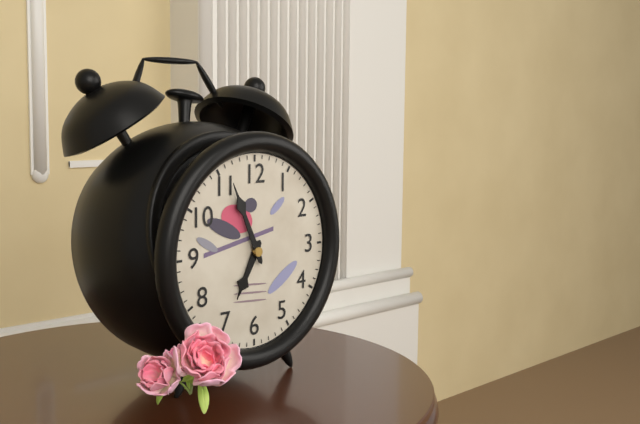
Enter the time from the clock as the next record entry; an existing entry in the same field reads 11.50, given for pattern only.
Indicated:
6.56
